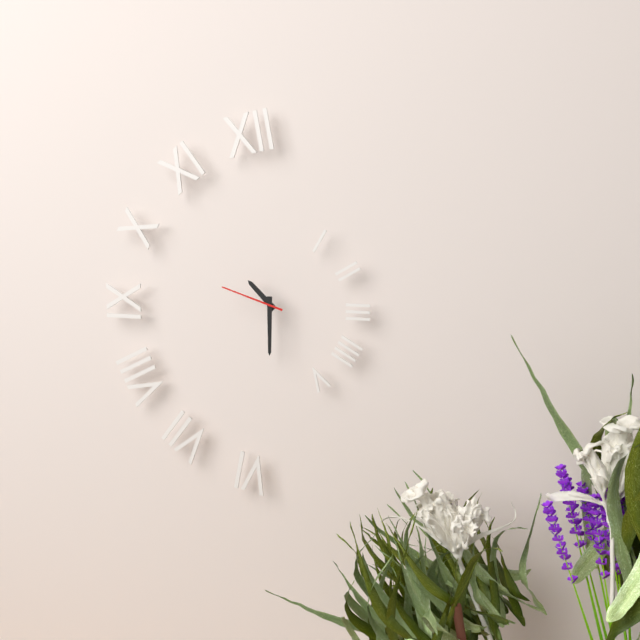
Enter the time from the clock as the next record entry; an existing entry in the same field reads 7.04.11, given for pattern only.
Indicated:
10.30.48
